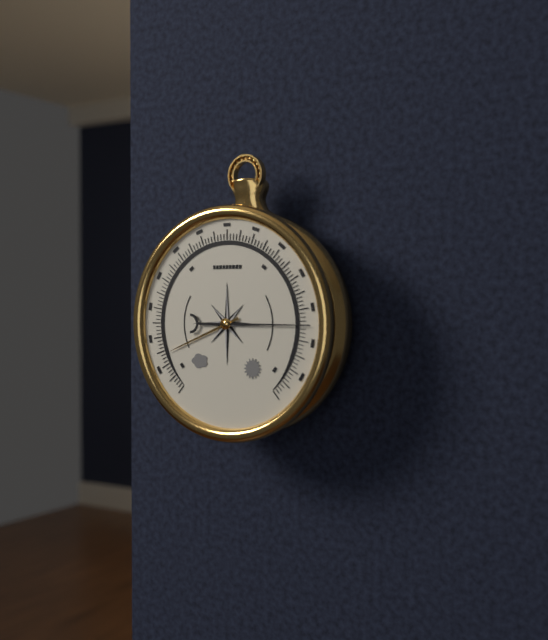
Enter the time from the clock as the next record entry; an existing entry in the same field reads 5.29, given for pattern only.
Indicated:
8.15
